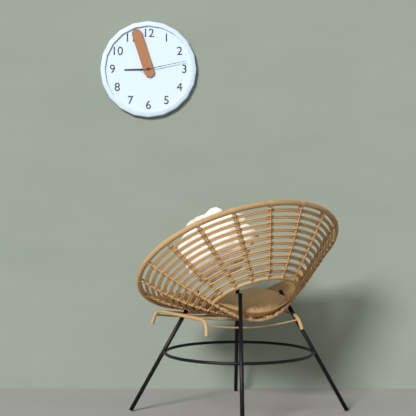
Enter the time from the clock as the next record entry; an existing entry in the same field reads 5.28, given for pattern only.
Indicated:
8.57
